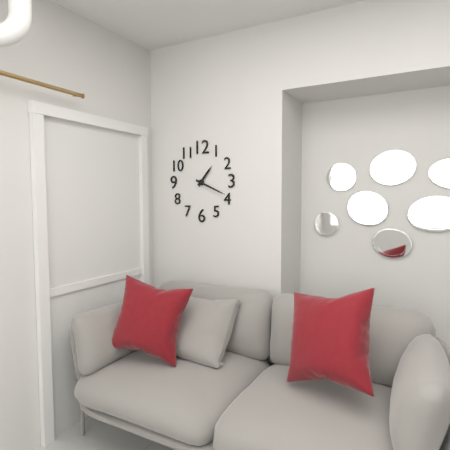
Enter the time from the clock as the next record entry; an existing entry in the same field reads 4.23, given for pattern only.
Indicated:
1.19
